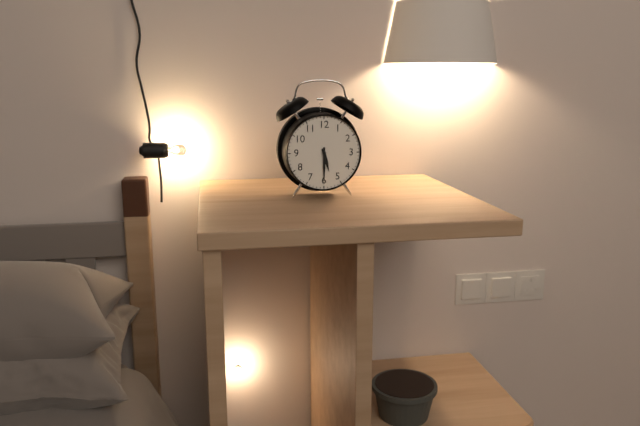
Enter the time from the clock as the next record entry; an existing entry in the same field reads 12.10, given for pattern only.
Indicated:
5.30
